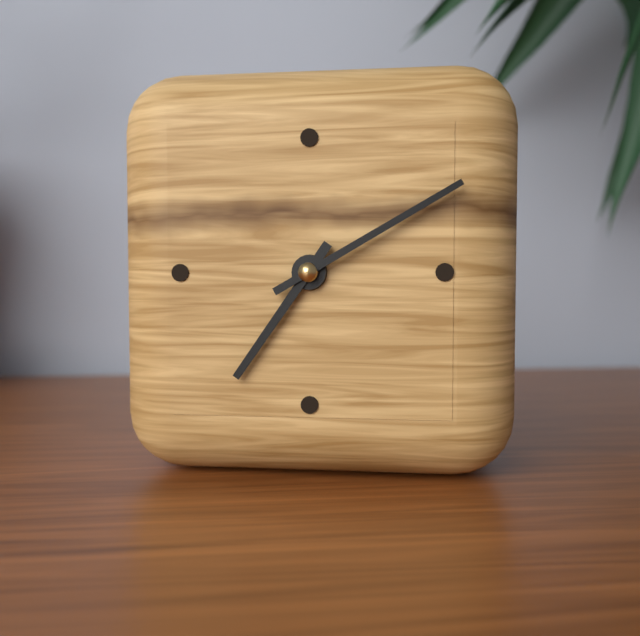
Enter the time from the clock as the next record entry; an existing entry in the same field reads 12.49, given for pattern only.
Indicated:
7.10
